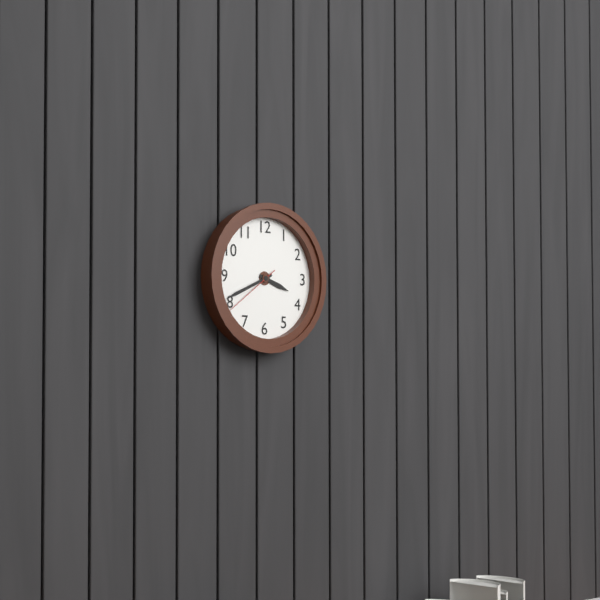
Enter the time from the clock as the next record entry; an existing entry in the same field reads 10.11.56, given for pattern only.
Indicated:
3.41.39
